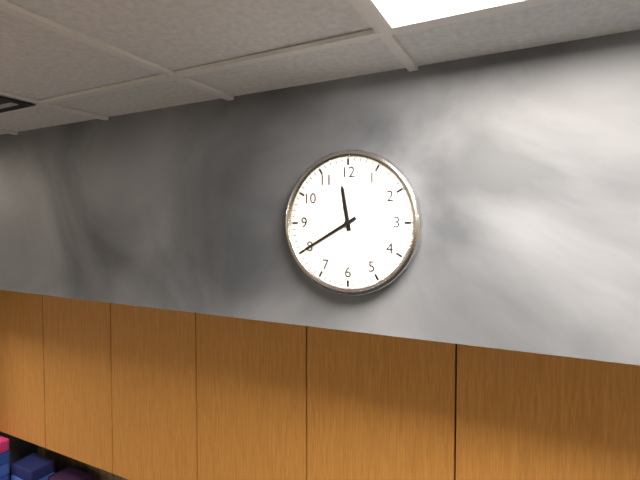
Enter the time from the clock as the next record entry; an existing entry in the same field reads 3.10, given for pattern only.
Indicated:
11.40
